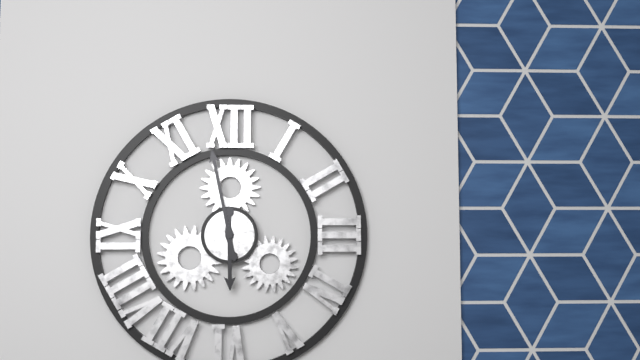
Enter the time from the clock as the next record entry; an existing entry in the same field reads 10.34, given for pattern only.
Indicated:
5.58
